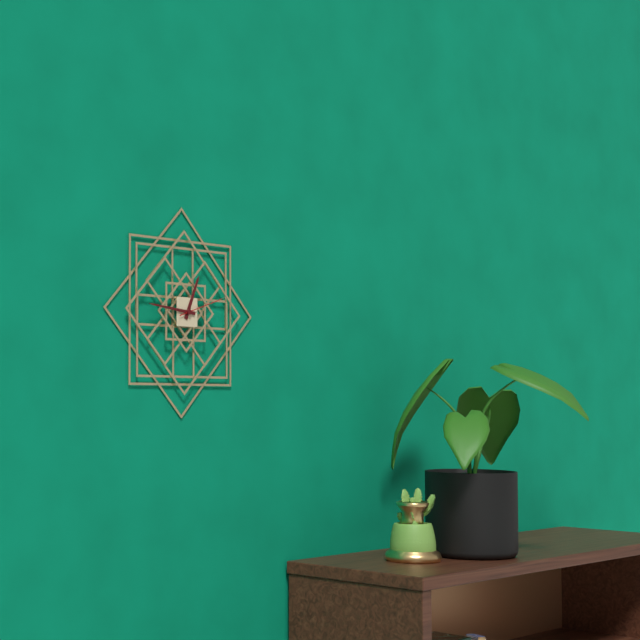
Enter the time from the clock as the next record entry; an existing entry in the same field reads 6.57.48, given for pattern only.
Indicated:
12.46.12
